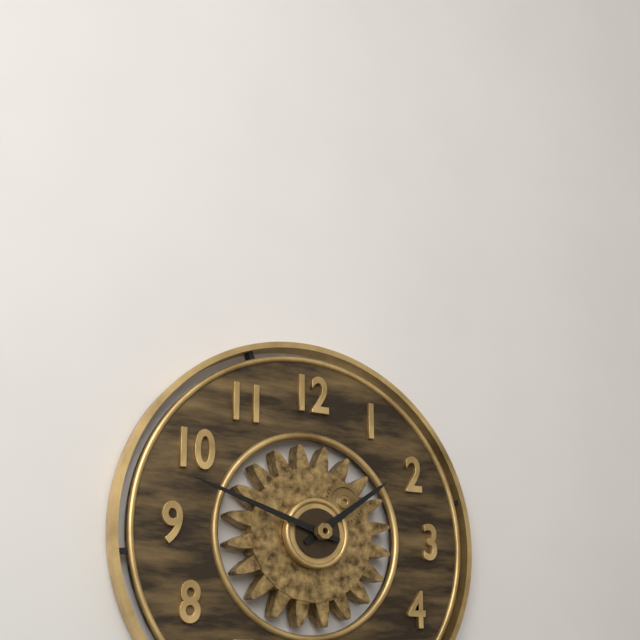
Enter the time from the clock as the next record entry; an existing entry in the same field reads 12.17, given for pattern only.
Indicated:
1.48
